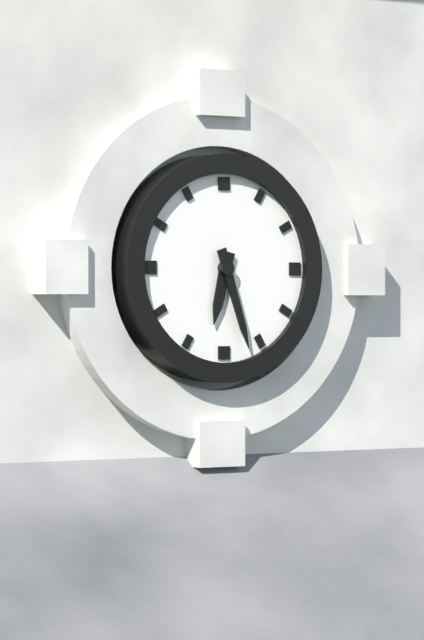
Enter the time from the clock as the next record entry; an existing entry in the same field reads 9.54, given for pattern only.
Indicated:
6.27
